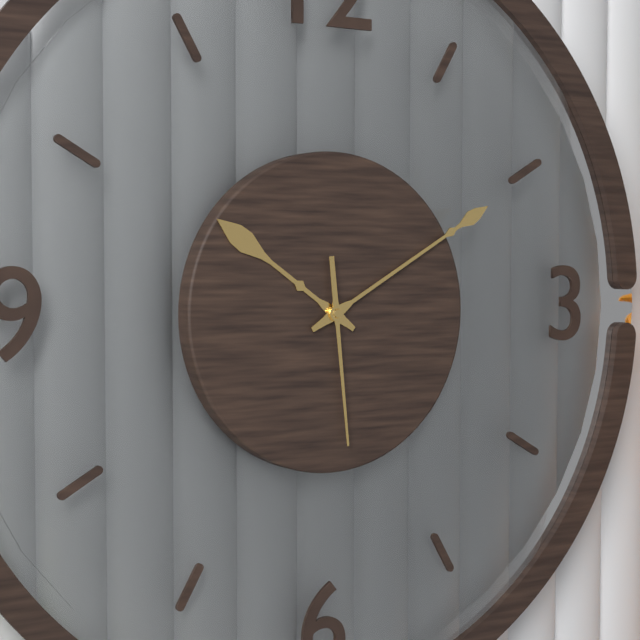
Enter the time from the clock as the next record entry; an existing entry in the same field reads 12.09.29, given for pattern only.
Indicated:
10.10.29
